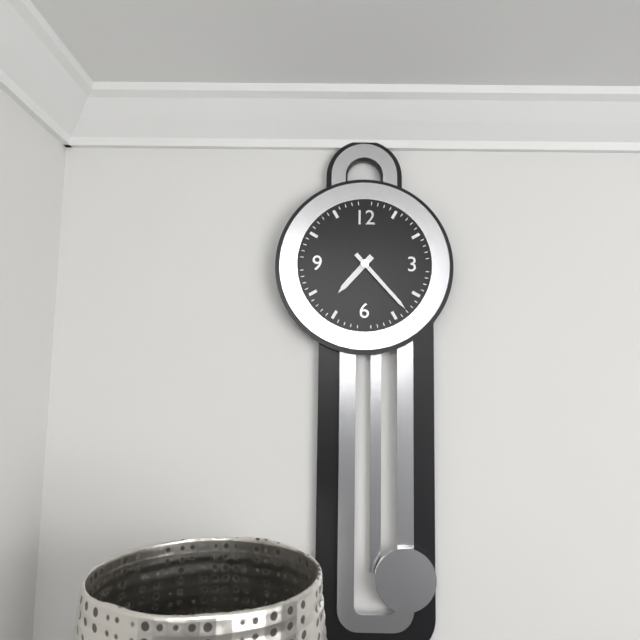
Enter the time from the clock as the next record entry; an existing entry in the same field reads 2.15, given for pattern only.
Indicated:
7.23
